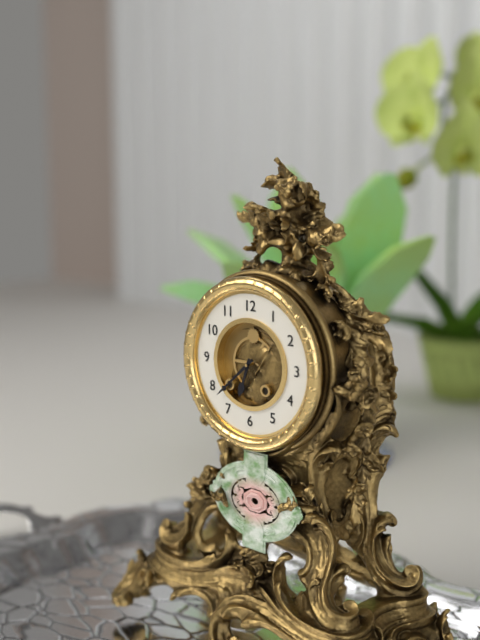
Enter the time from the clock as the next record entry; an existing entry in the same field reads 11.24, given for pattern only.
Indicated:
6.38
